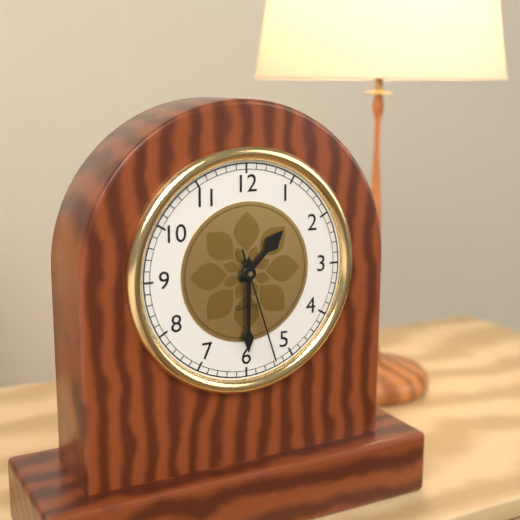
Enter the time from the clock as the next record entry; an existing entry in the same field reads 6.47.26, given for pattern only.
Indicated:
1.30.27
